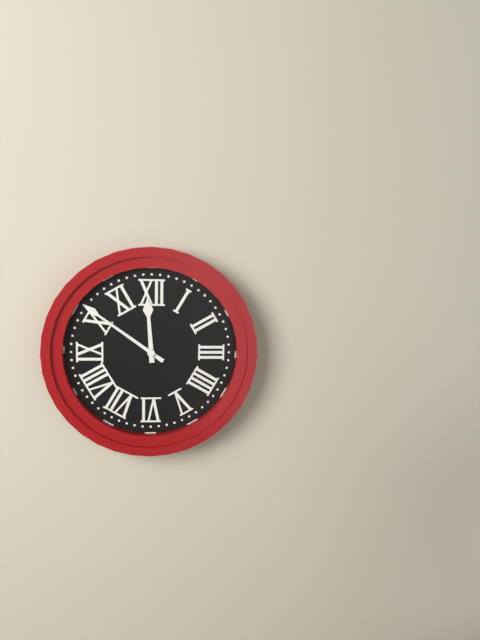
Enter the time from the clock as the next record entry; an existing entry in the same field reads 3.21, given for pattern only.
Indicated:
11.51
